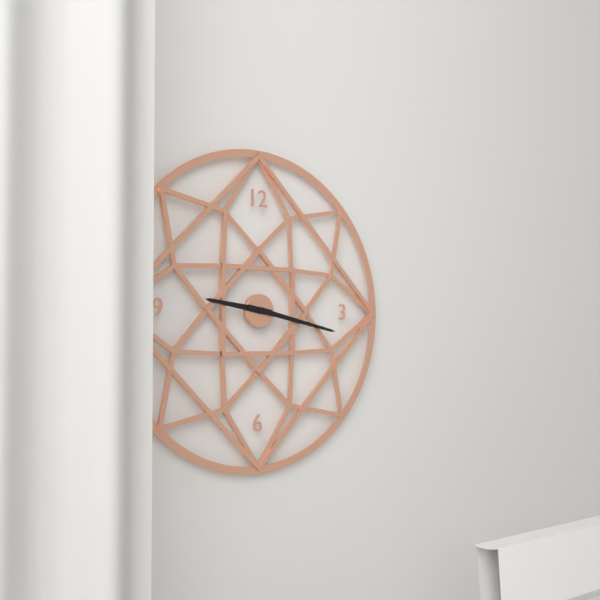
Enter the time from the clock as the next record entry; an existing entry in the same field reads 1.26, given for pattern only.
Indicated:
9.17
